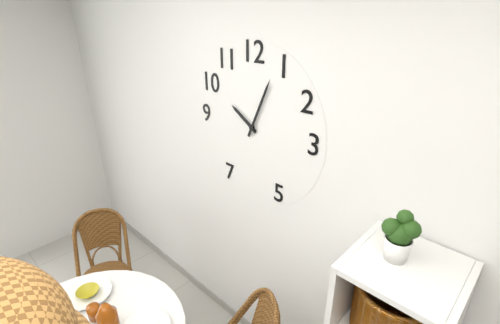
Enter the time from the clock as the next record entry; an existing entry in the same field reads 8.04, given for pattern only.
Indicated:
10.04
